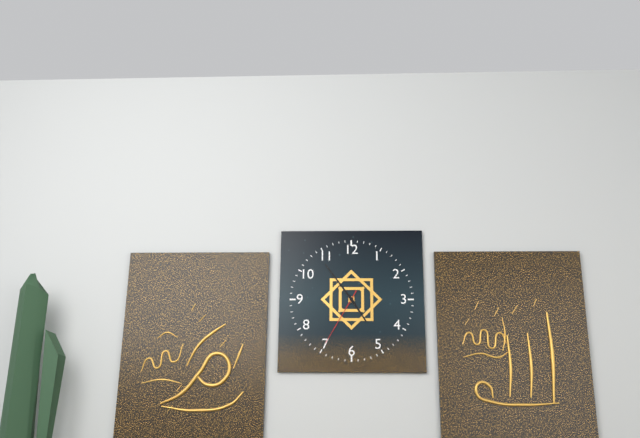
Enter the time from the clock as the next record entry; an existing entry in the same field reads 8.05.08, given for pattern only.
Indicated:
4.54.35
